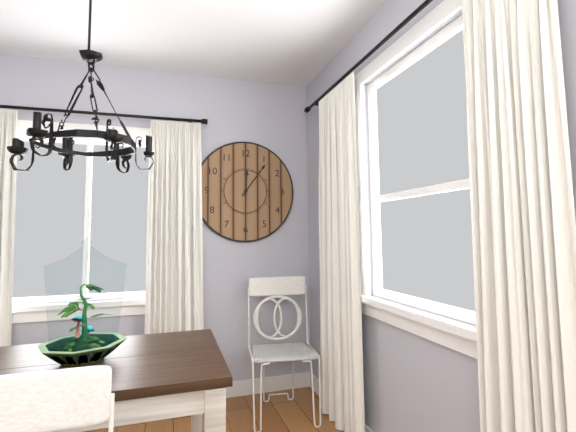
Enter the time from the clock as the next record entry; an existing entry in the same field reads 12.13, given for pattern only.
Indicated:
12.06
